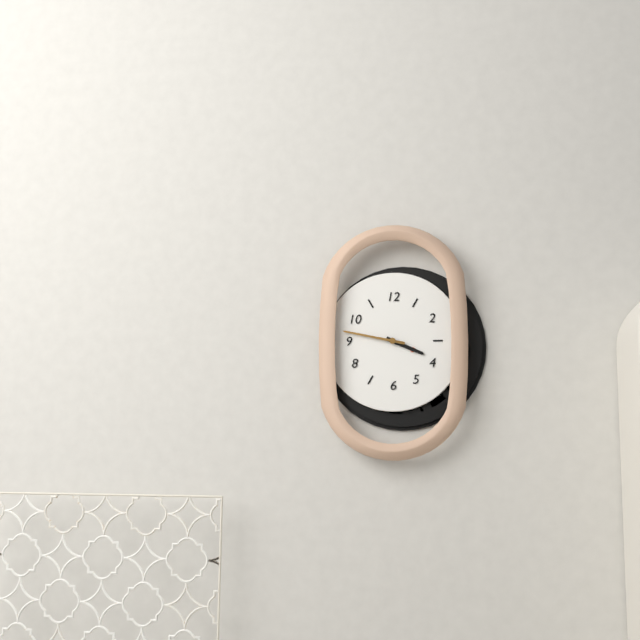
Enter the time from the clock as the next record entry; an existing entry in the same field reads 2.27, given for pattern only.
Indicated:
3.47
